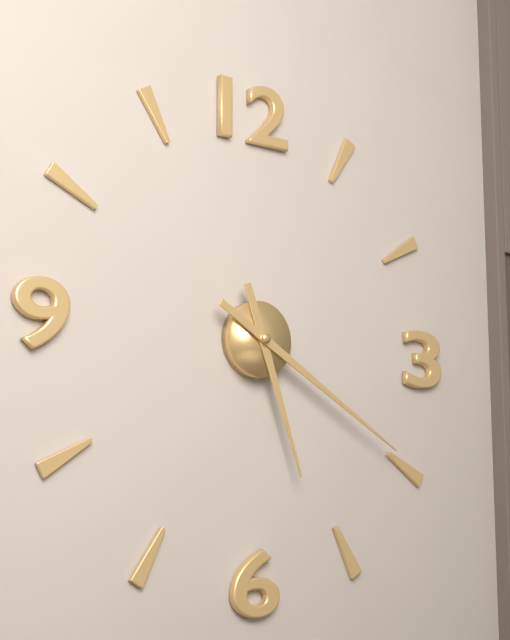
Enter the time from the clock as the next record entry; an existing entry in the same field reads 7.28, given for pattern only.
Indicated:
5.20
